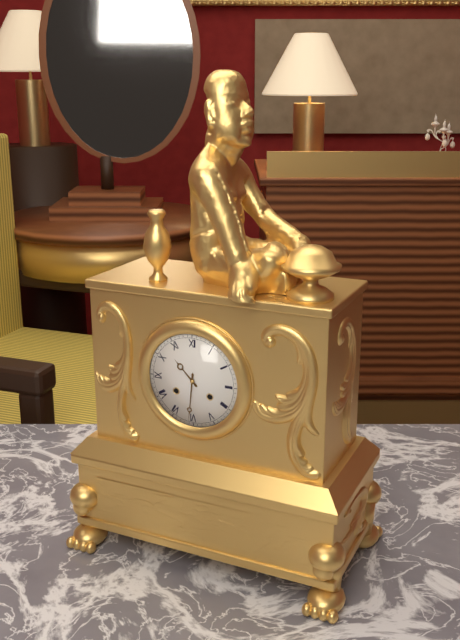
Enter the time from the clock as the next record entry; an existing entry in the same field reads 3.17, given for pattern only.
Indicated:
10.31
